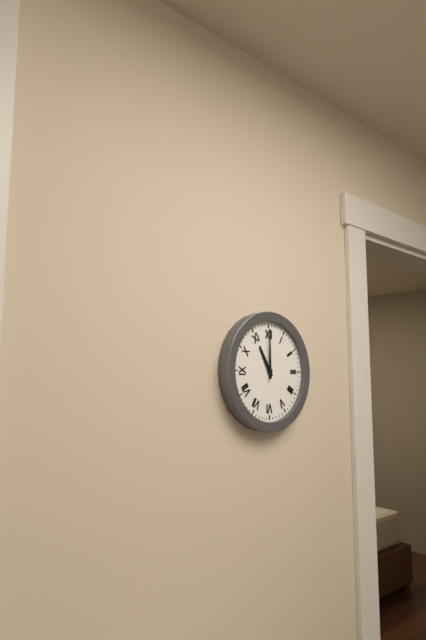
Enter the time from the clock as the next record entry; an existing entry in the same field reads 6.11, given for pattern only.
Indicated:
11.00
